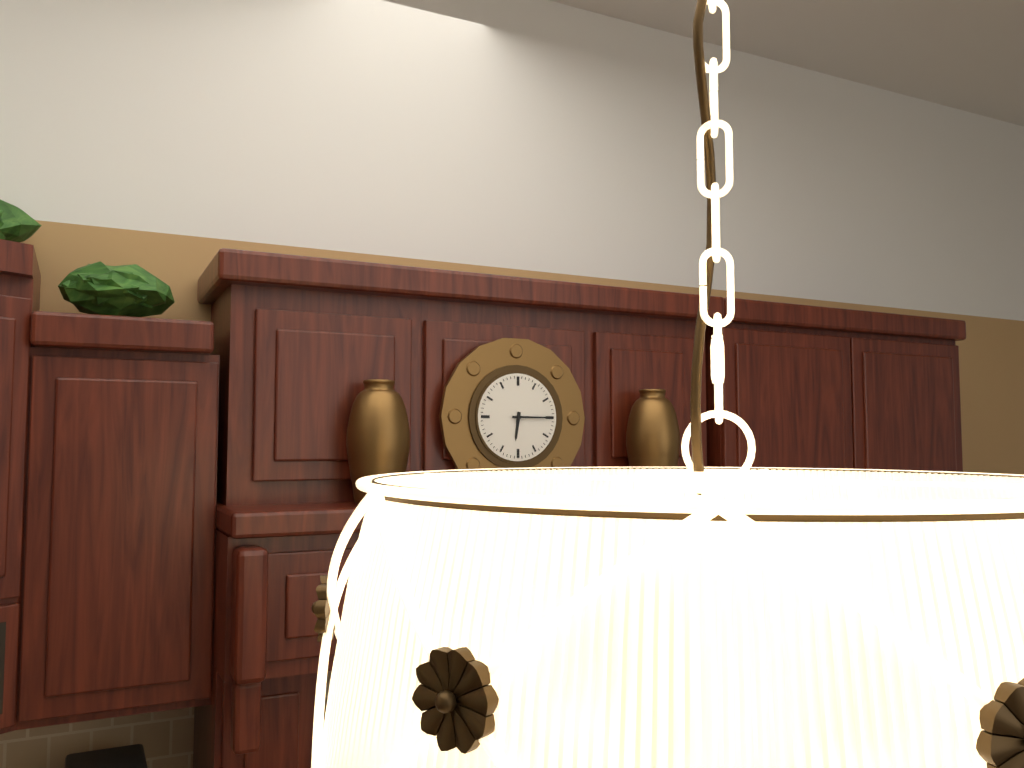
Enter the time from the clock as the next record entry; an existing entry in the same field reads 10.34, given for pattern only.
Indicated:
6.15
